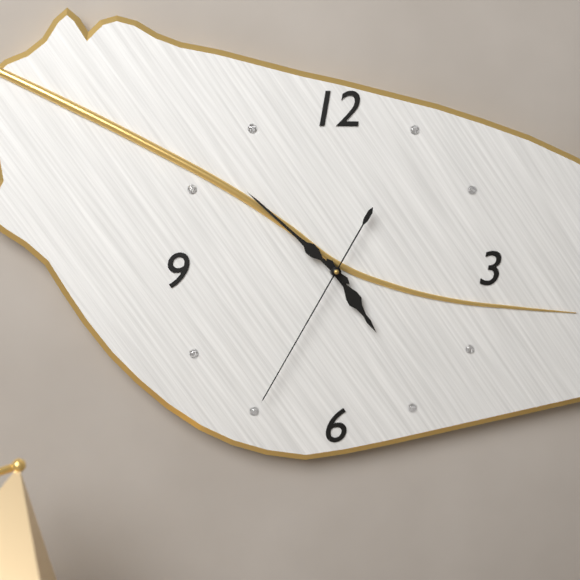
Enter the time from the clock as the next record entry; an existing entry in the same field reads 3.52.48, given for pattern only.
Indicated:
4.52.35
